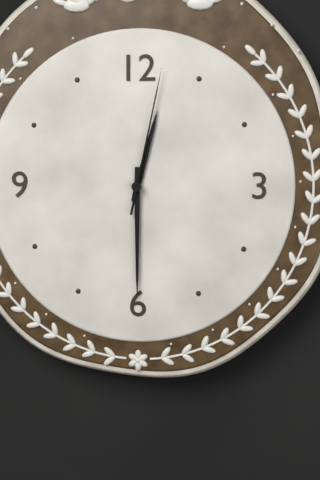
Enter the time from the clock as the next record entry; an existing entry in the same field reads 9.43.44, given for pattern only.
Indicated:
12.30.02
